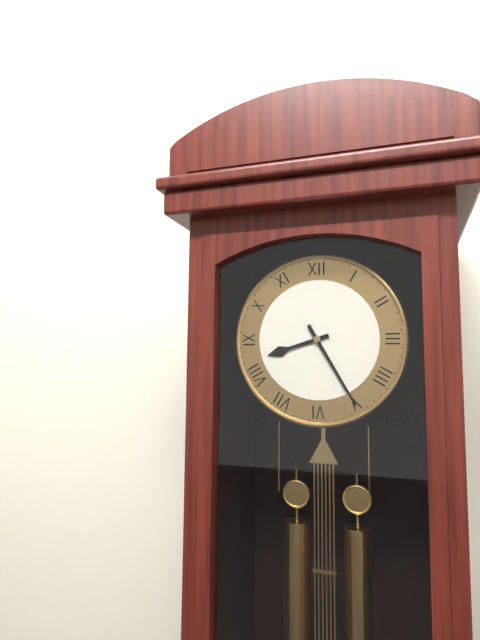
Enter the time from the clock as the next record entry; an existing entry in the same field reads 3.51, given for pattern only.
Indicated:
8.25
